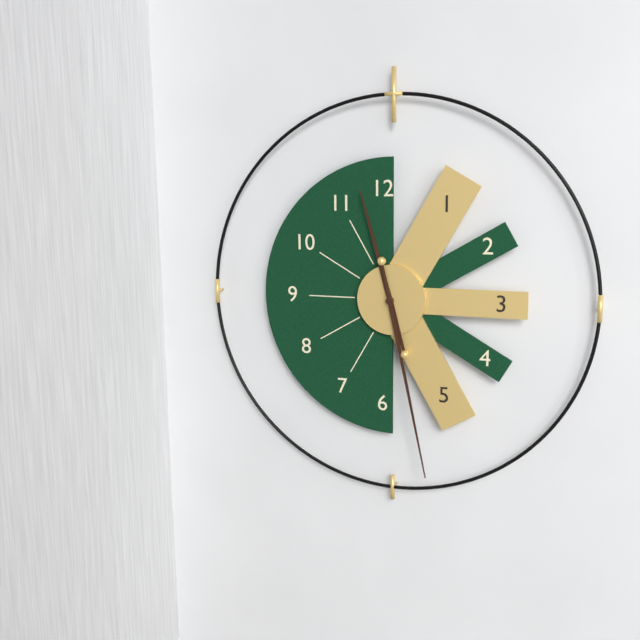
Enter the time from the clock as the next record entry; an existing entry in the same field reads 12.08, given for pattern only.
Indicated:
11.28
